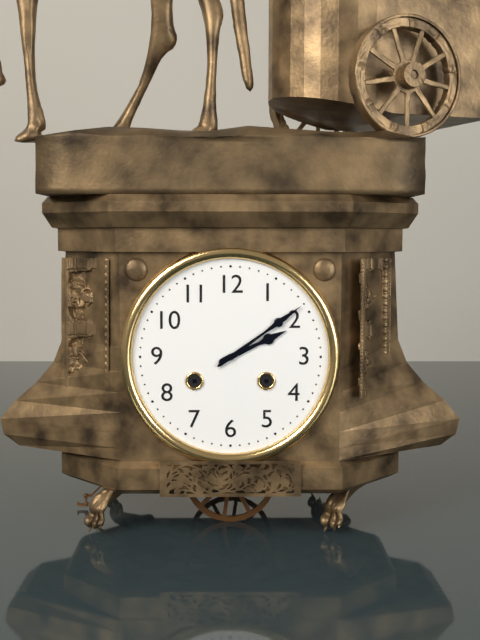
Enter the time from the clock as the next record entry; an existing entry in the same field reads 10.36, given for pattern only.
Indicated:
2.09
